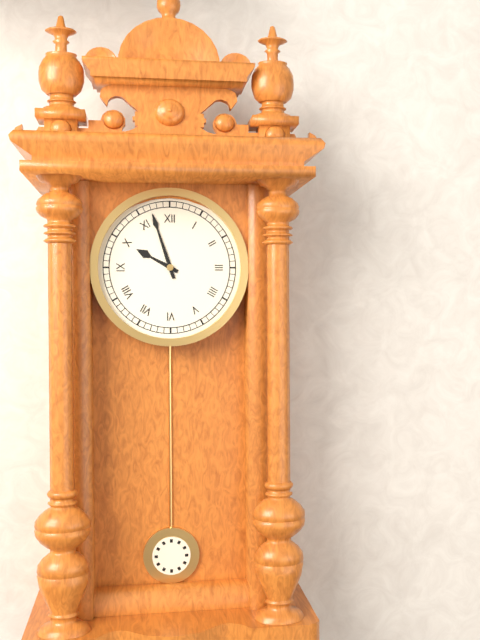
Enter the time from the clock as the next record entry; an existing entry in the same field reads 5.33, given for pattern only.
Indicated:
9.57
